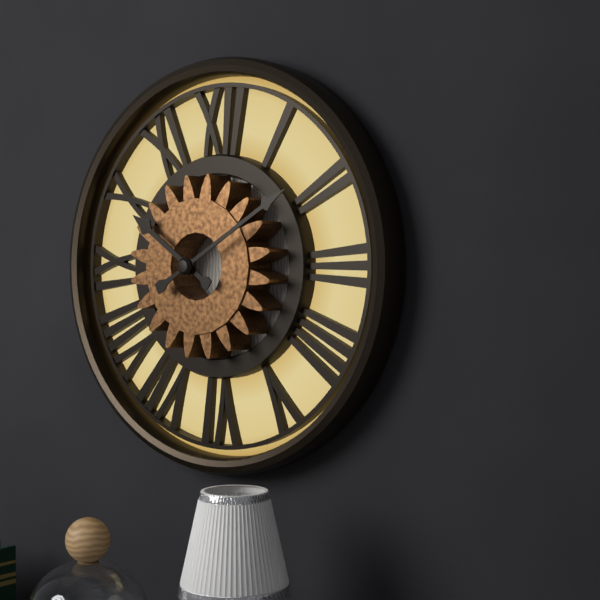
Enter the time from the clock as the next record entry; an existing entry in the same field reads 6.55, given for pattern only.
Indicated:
10.10
